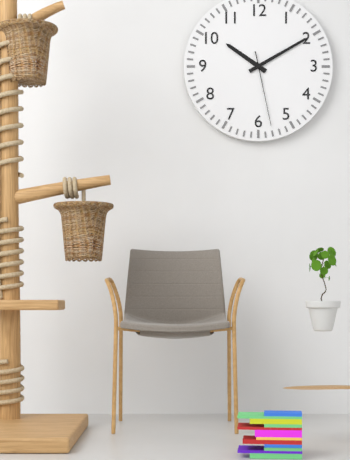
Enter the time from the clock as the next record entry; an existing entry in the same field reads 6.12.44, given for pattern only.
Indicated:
10.10.28
